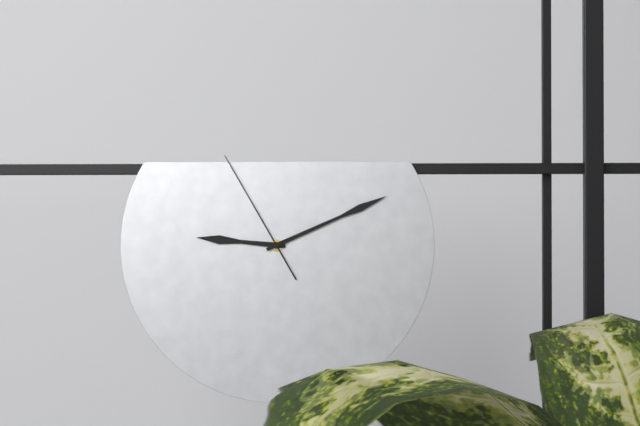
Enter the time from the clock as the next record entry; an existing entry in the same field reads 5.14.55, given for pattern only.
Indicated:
9.11.55
